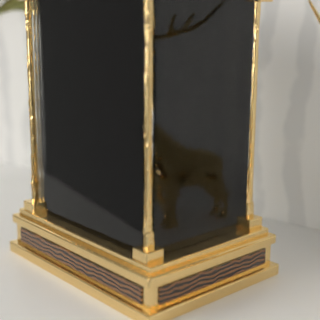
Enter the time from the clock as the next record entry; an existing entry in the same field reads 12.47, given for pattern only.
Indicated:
5.15
